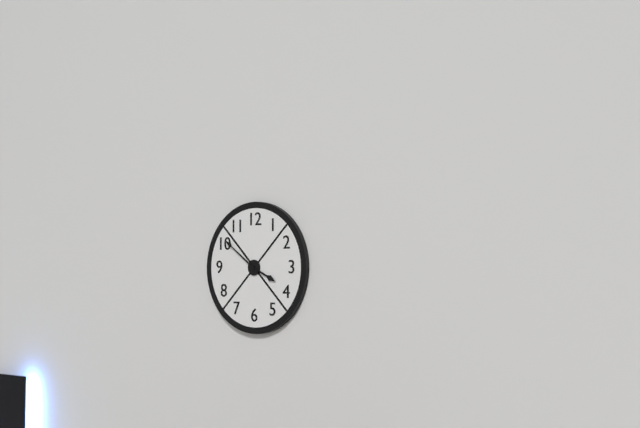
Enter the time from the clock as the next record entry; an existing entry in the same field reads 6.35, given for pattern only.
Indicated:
3.51
